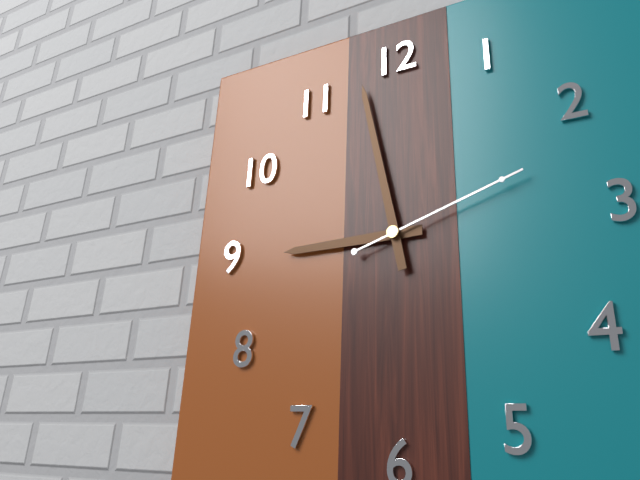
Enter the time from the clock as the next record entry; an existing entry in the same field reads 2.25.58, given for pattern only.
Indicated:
8.58.12
